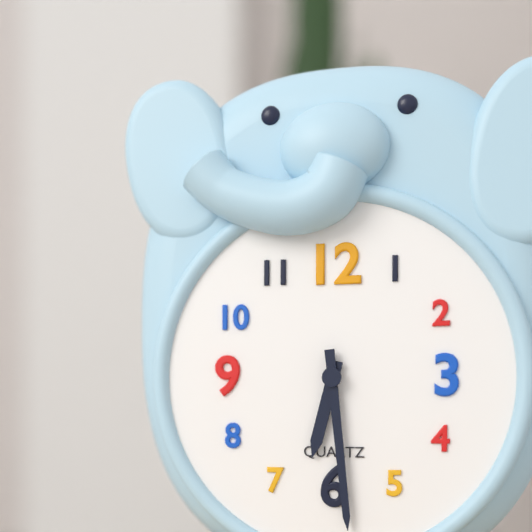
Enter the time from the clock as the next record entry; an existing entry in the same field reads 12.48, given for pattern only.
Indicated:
6.29
